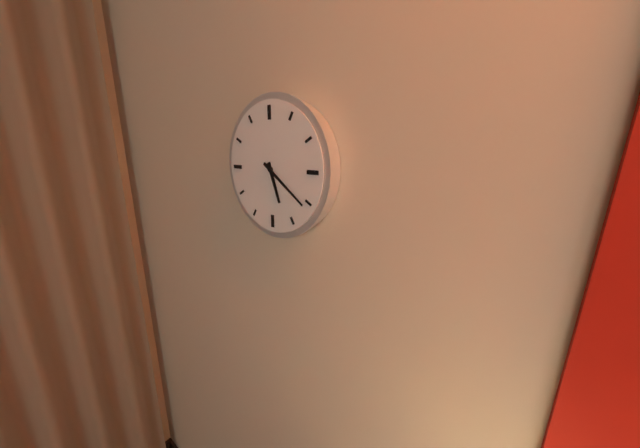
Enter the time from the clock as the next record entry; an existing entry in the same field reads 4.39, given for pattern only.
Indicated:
5.21
